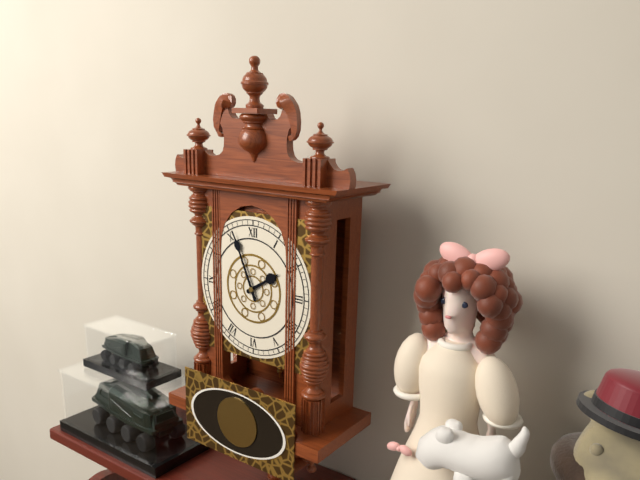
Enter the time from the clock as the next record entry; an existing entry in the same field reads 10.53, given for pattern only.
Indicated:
1.56
